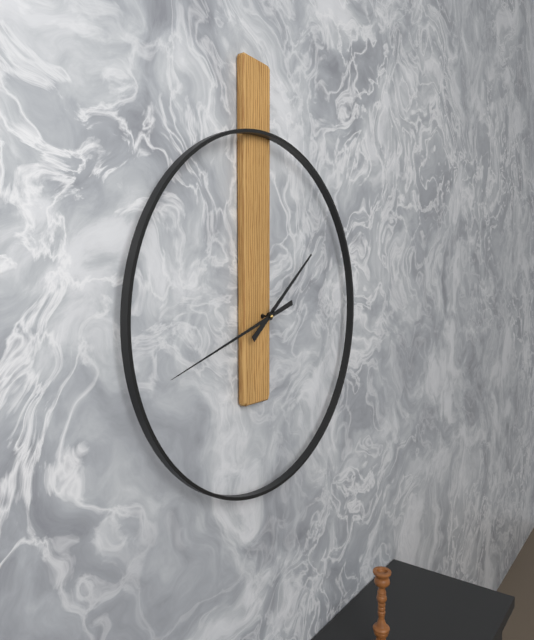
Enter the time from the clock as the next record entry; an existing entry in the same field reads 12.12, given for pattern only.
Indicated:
1.42
